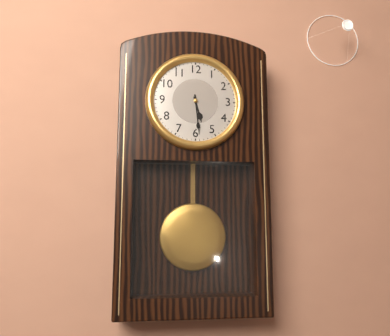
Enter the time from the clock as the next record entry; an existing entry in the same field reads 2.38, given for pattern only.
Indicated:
5.29
